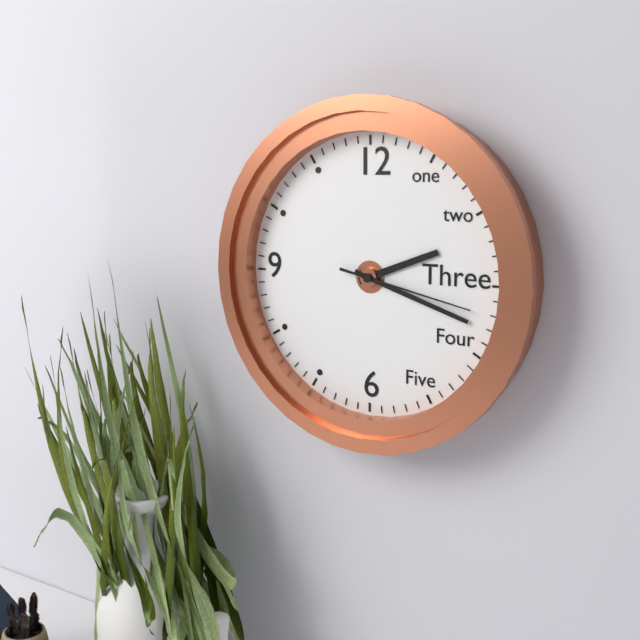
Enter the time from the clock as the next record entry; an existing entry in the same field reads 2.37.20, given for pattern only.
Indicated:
2.18.17
